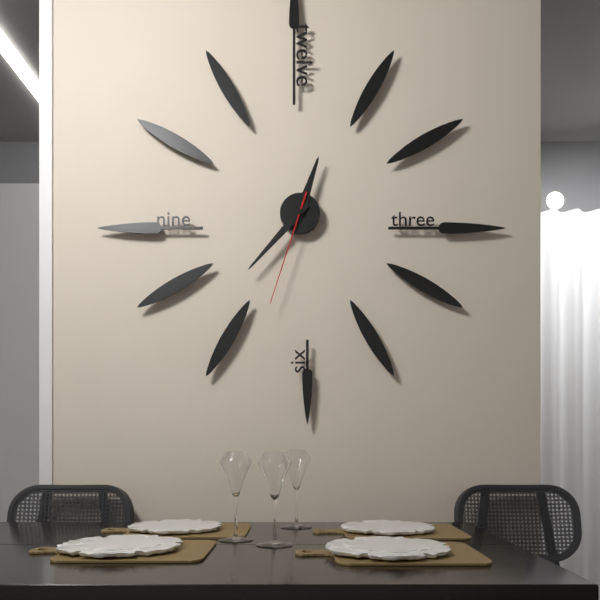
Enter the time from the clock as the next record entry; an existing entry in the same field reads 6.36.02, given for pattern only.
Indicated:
12.37.33
